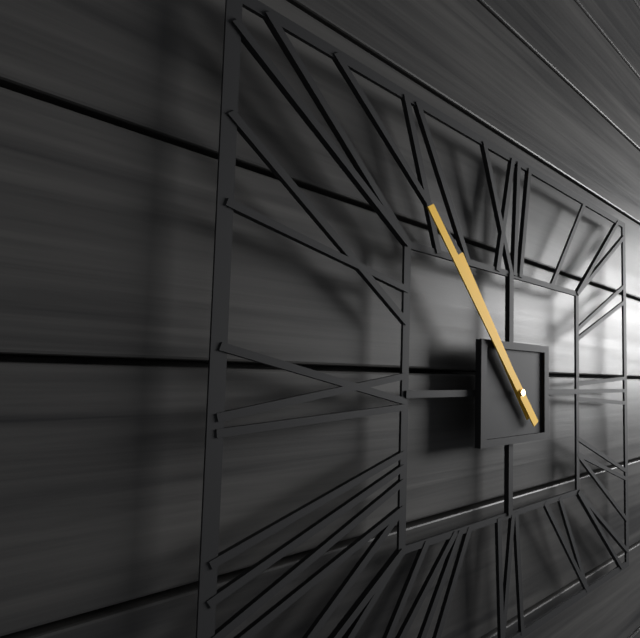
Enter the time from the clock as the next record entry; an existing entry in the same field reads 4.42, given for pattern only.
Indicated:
10.54
